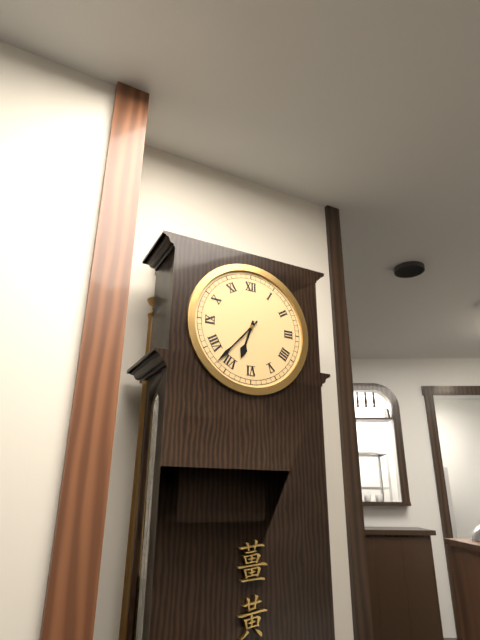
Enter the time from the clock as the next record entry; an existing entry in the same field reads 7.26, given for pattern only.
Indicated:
6.37
